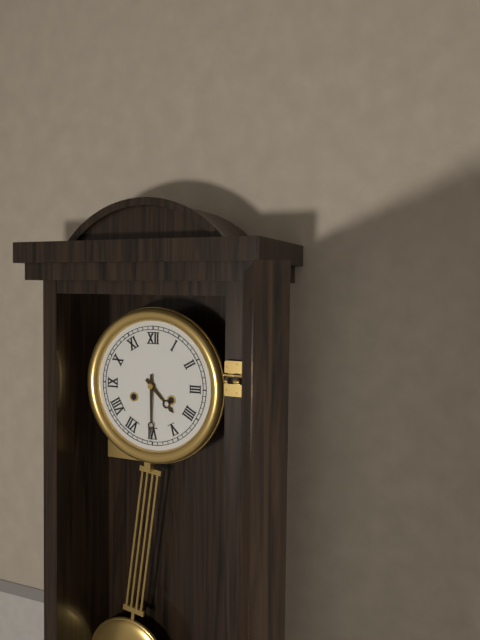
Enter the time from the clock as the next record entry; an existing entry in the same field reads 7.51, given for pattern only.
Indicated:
4.30
